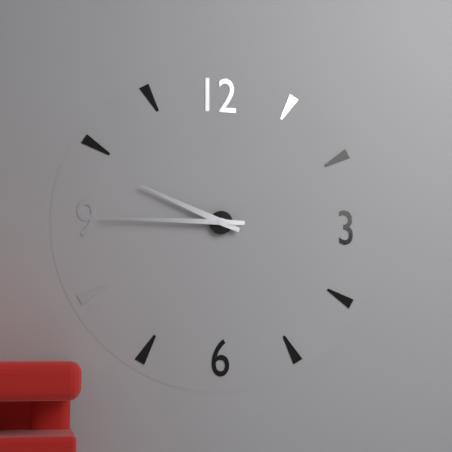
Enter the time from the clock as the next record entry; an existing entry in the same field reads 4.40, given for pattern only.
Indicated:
9.45
